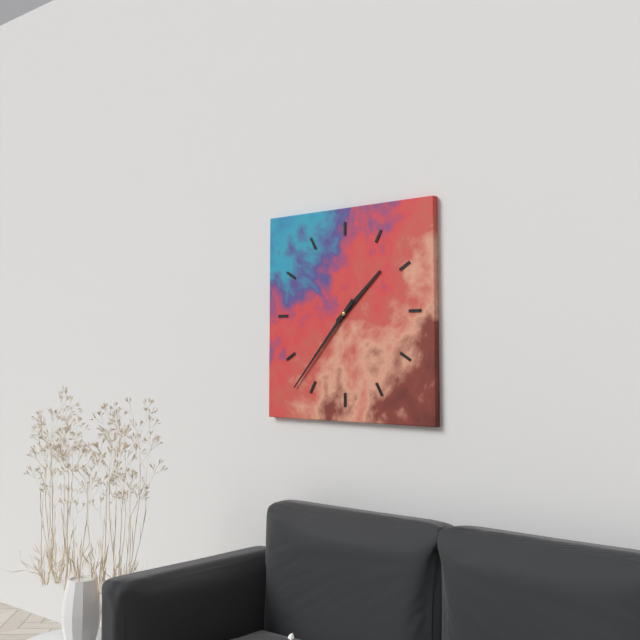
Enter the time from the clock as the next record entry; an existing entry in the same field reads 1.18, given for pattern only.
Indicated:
1.37
